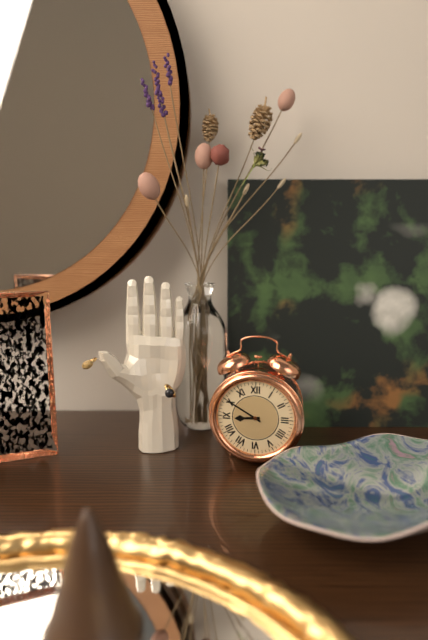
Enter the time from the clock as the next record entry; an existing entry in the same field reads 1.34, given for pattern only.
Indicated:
8.50
